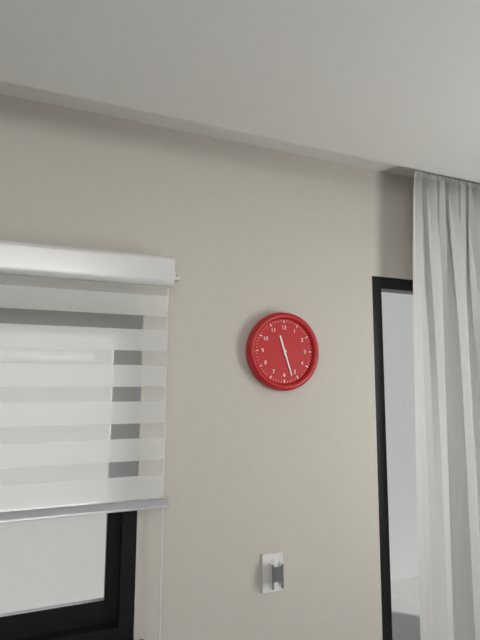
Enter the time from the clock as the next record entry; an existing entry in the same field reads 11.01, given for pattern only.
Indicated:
11.27
